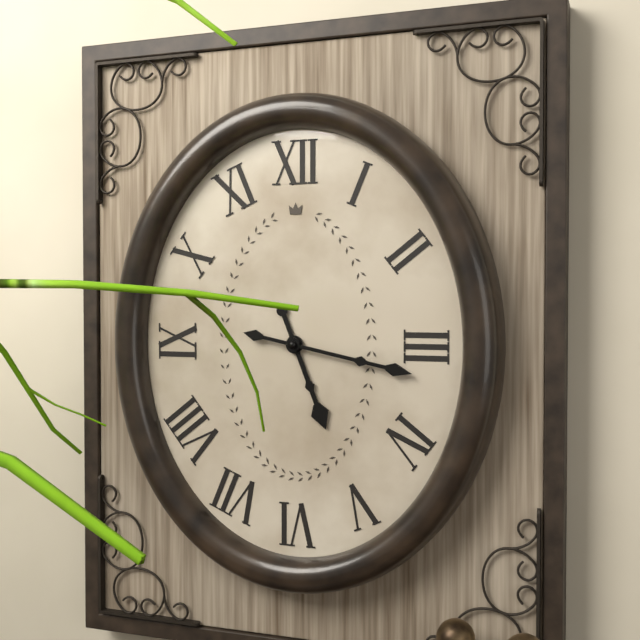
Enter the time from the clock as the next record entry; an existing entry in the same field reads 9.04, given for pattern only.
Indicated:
5.17
